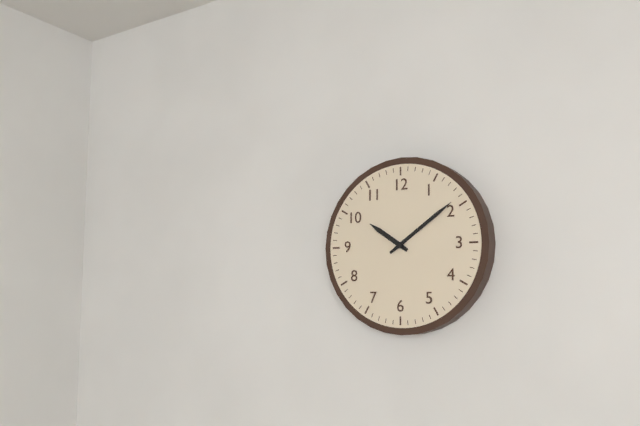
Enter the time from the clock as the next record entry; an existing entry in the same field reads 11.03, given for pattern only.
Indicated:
10.09
